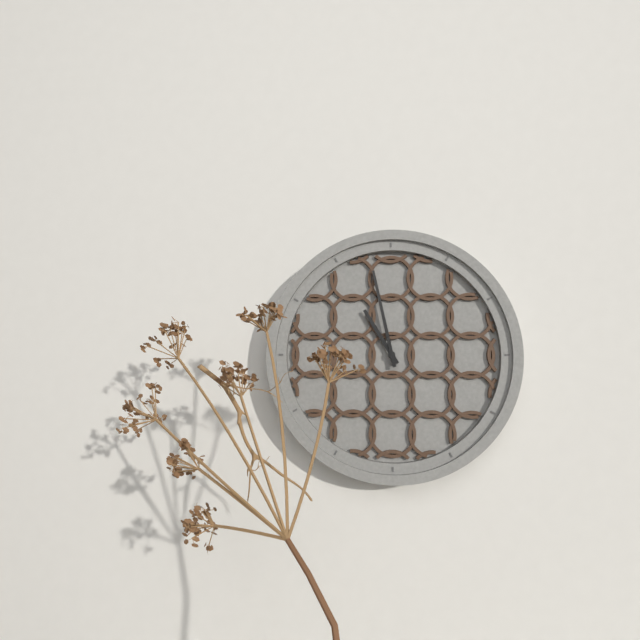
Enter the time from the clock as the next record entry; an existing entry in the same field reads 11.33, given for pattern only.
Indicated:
10.58
